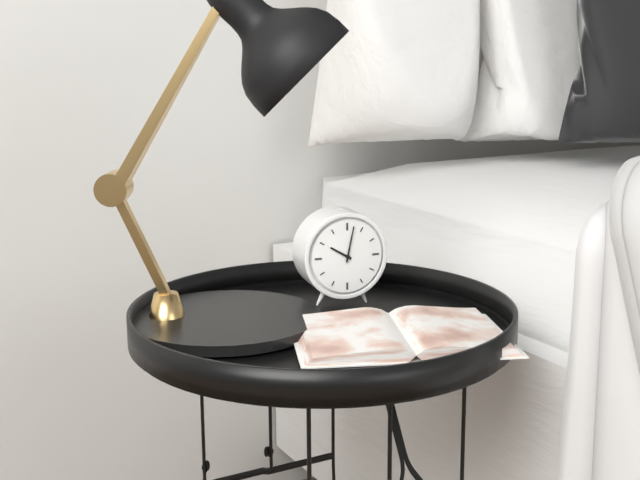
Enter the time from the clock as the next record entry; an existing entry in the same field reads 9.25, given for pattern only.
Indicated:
10.02
